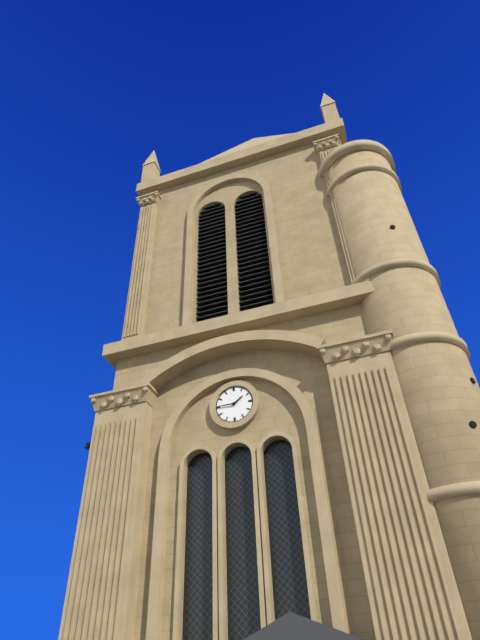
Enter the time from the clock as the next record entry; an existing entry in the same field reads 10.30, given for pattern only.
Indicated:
1.45
